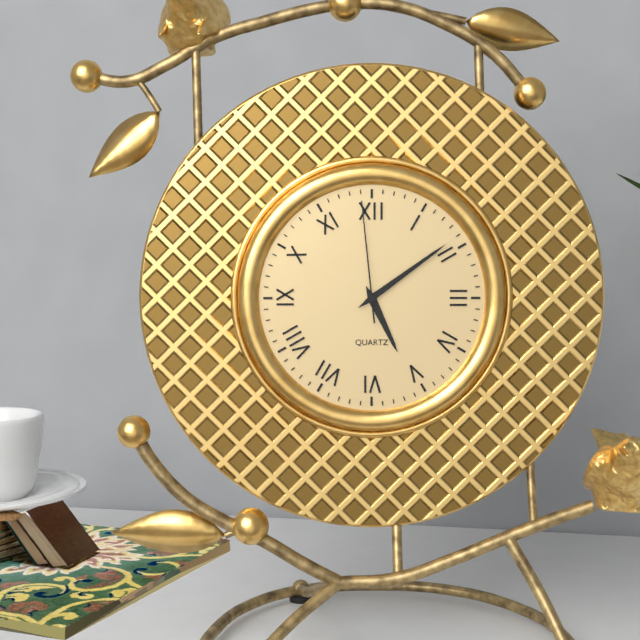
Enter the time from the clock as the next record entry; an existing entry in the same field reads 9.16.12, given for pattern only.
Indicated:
5.09.59
